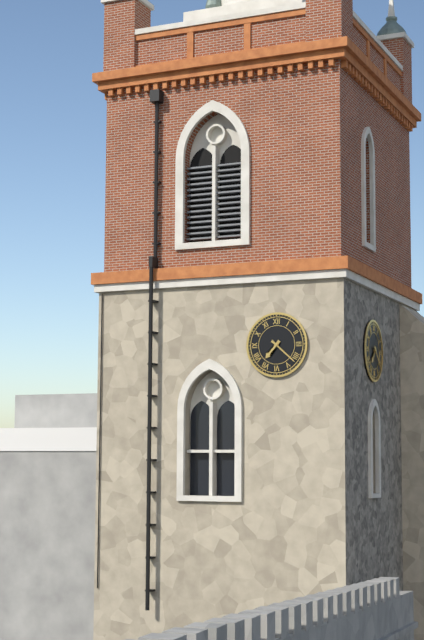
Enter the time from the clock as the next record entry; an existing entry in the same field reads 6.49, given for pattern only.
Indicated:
7.22
